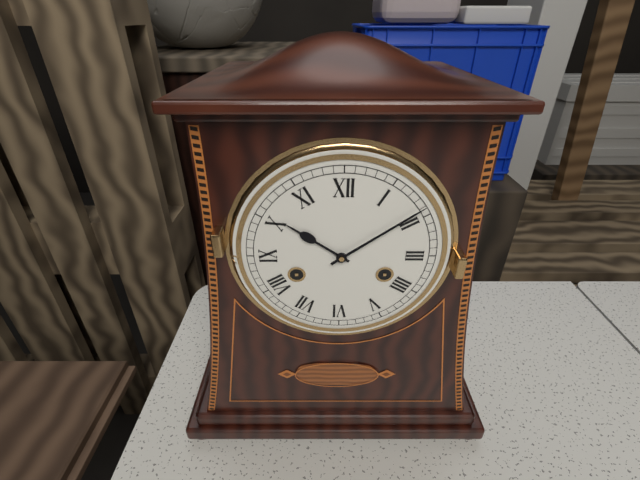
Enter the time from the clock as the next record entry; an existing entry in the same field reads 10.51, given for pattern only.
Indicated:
10.09
